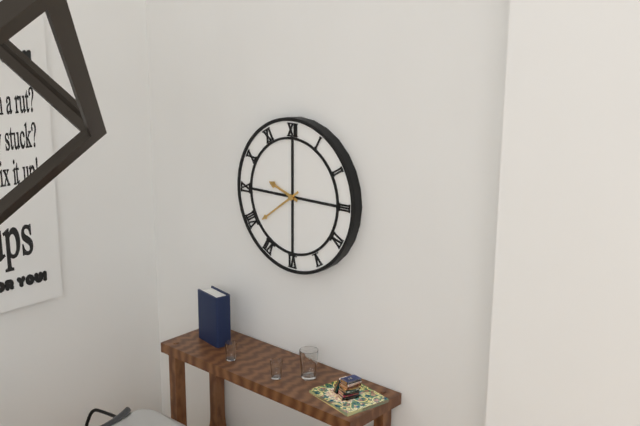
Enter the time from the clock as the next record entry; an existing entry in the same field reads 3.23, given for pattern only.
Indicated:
9.39
